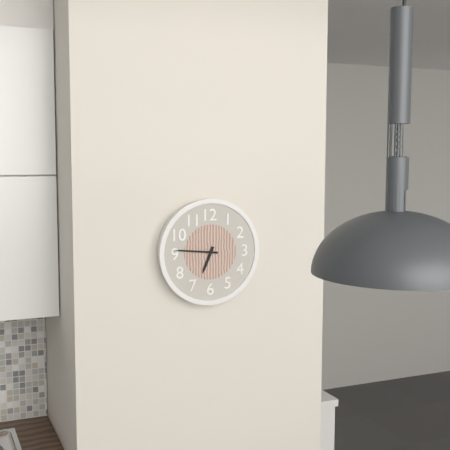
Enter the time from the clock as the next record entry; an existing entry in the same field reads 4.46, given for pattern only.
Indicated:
6.46
